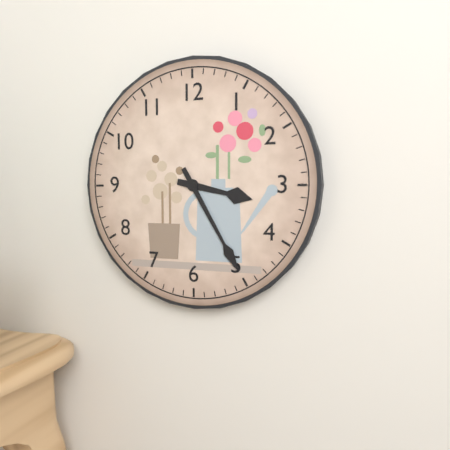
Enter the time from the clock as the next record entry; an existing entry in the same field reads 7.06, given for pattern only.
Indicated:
3.25
